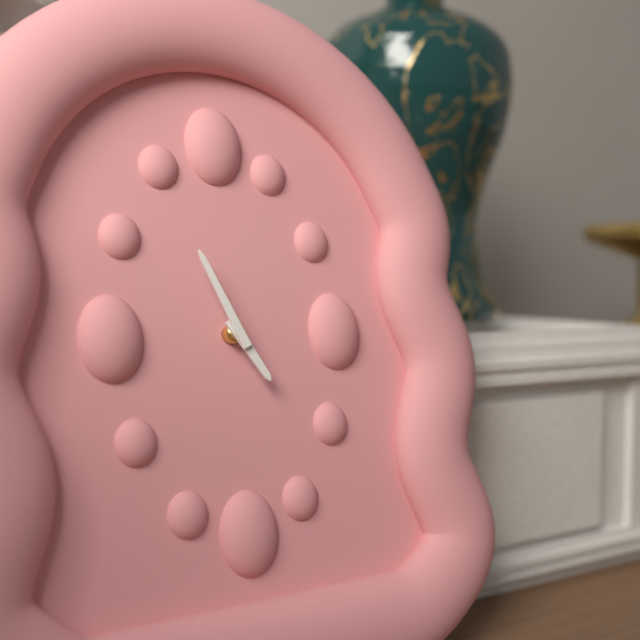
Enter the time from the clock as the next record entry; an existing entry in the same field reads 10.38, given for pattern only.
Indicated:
4.56
